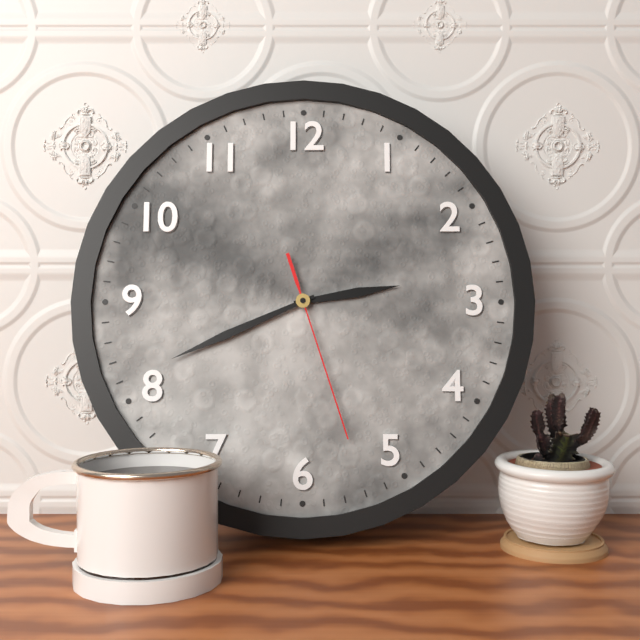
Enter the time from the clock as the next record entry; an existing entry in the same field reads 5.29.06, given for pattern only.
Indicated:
2.41.27
